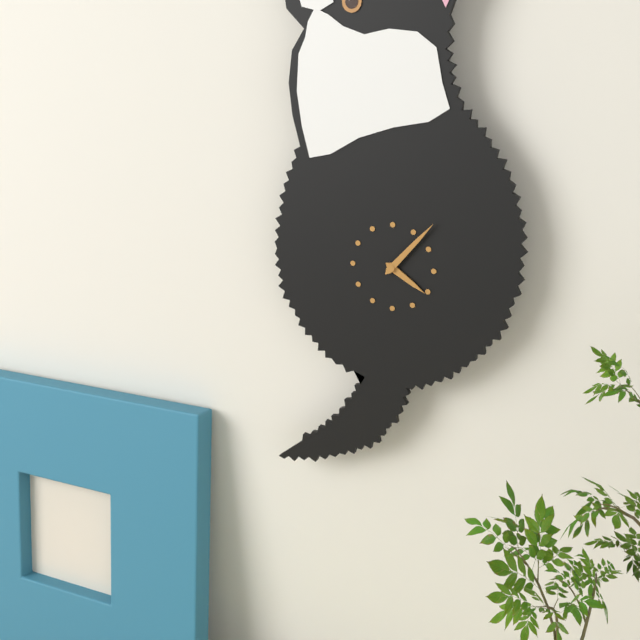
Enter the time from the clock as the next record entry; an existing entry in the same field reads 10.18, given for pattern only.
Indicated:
4.07
